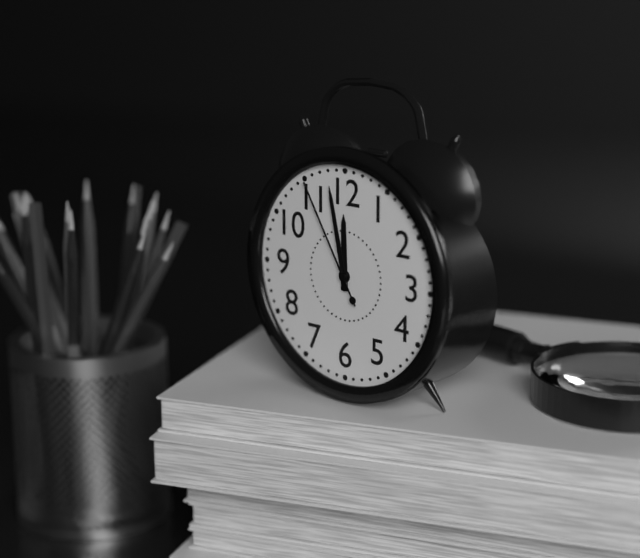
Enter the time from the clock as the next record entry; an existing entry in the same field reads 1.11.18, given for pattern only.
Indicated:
11.58.55
